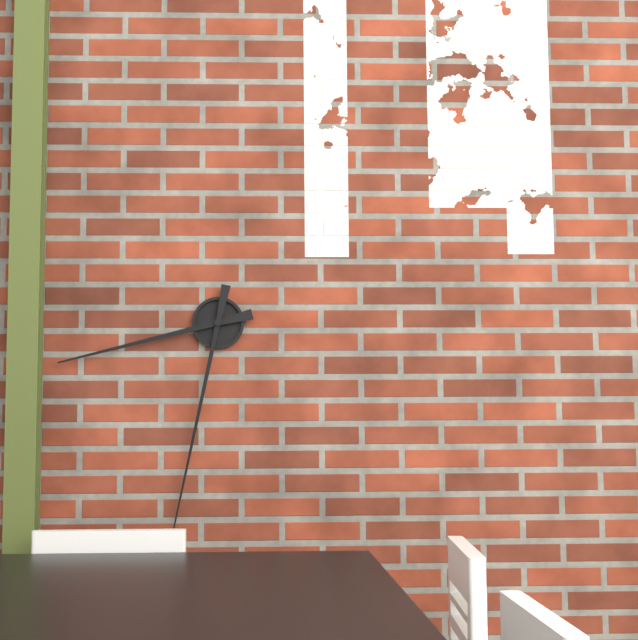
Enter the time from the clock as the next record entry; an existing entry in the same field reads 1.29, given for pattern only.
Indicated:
8.32
